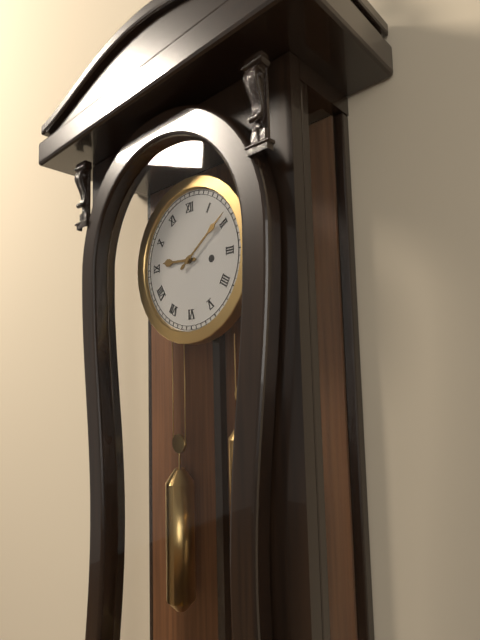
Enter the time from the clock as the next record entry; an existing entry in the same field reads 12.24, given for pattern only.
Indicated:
9.09
